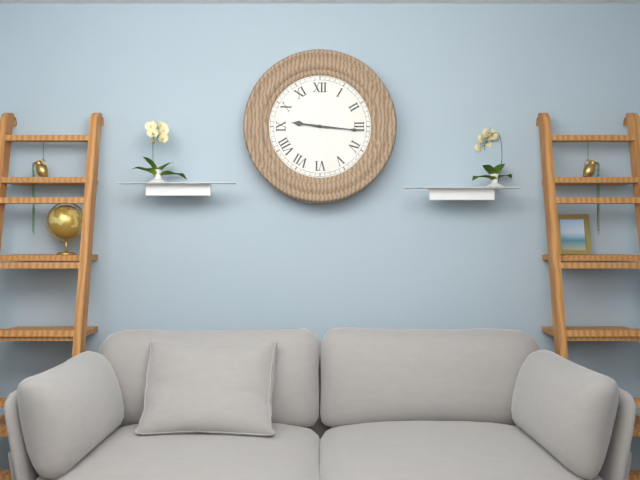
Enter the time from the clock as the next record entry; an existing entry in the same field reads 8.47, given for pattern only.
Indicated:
9.16
